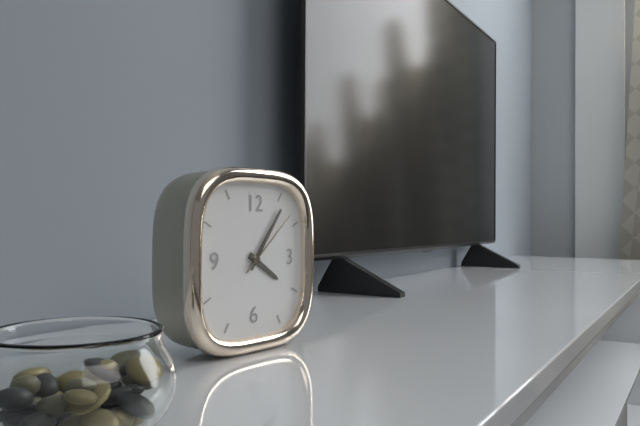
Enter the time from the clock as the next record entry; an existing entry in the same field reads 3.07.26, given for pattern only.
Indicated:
4.06.08
